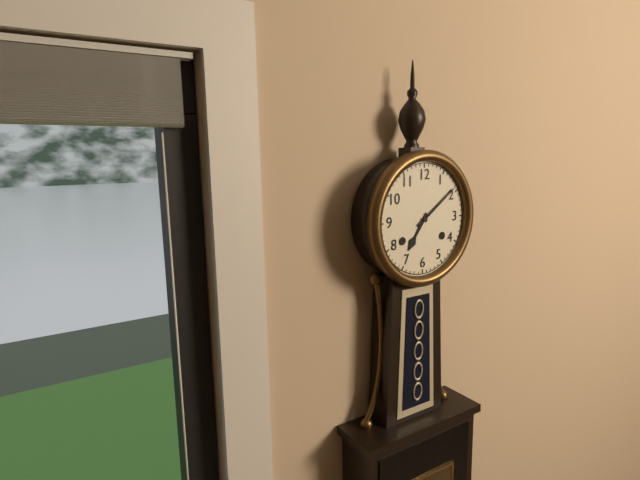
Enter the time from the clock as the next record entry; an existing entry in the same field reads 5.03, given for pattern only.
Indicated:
7.09
